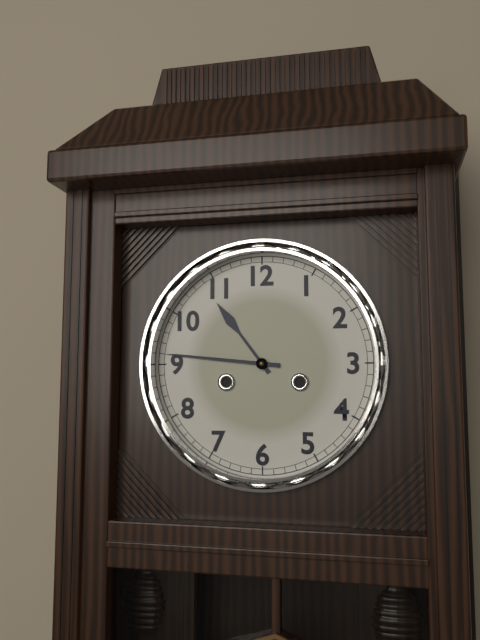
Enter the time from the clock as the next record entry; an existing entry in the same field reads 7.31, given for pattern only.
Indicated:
10.46
